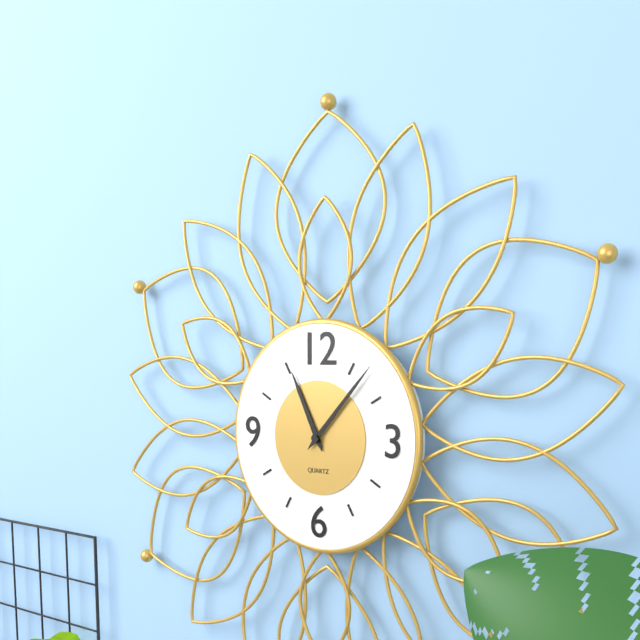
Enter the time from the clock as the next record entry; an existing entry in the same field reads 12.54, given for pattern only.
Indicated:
11.07
